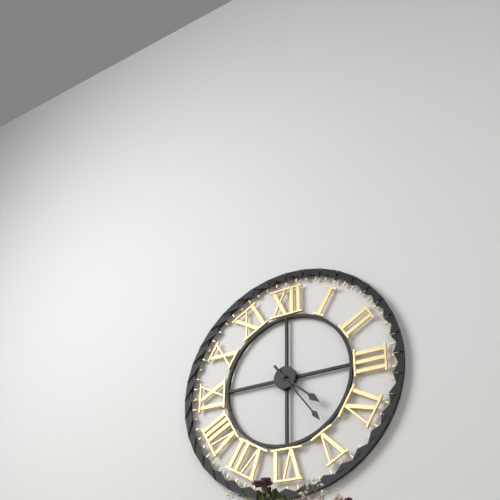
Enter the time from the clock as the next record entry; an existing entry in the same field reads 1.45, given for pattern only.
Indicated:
4.24
